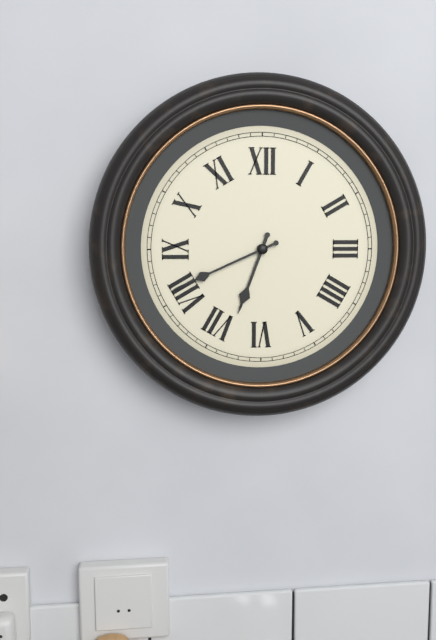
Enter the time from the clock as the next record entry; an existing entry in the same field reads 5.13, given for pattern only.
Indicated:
6.41
